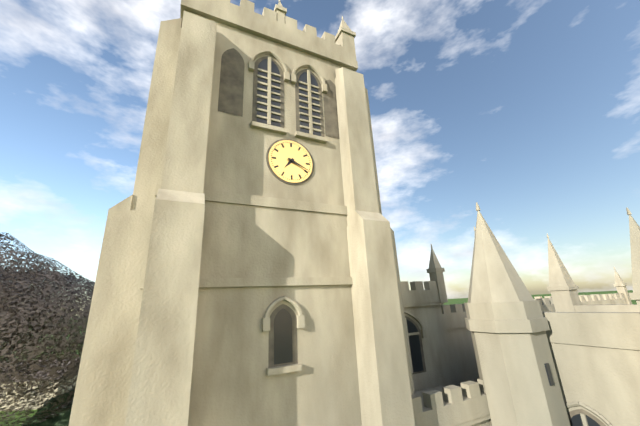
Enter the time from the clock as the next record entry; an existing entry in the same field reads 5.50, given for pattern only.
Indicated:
7.19
